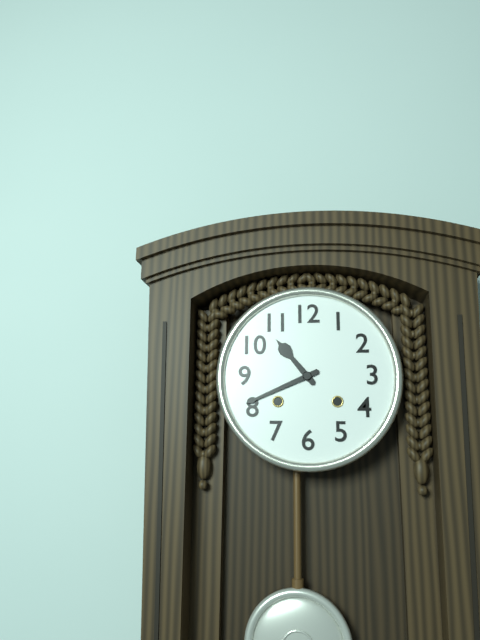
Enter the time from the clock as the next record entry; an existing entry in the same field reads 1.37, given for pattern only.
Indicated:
10.41
